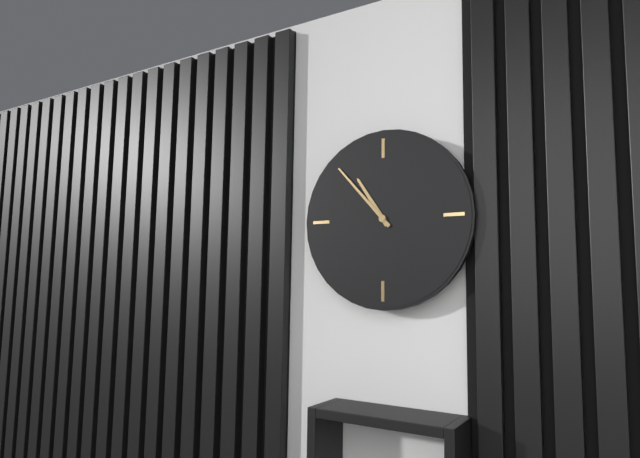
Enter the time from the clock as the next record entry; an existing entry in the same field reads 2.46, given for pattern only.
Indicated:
10.53
